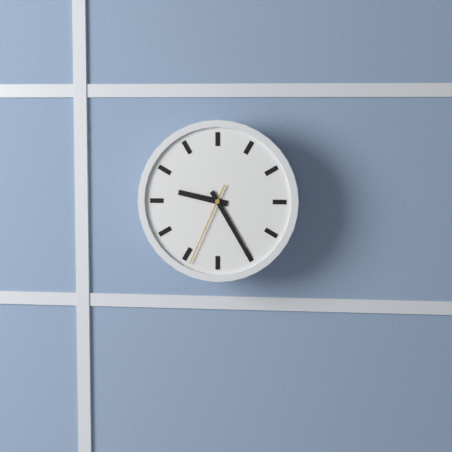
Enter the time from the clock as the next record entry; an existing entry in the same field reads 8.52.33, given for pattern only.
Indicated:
9.25.34
